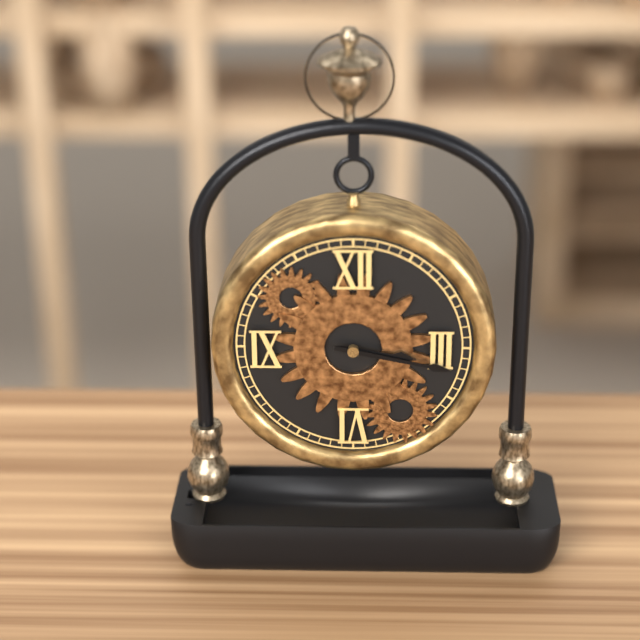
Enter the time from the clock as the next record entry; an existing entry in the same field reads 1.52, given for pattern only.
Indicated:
3.17
